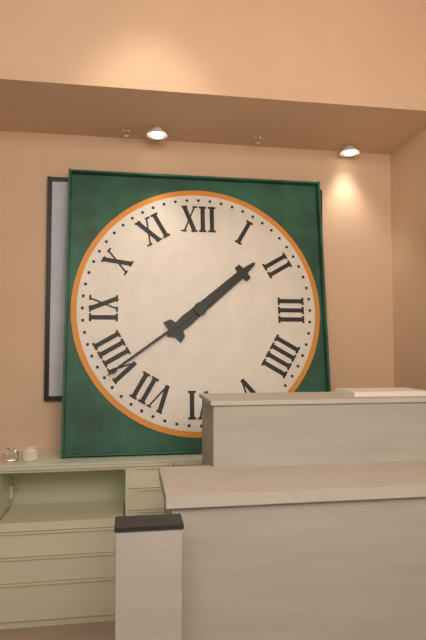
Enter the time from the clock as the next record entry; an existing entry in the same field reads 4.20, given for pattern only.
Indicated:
1.39
